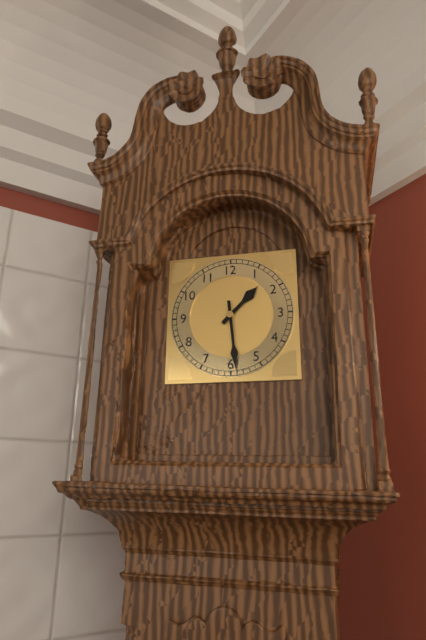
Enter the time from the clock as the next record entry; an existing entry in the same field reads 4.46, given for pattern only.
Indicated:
1.29
